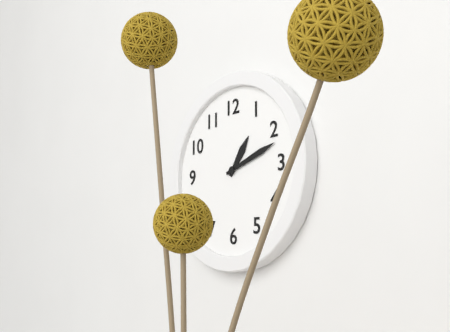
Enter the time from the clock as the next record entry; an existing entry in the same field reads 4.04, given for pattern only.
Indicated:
1.12
